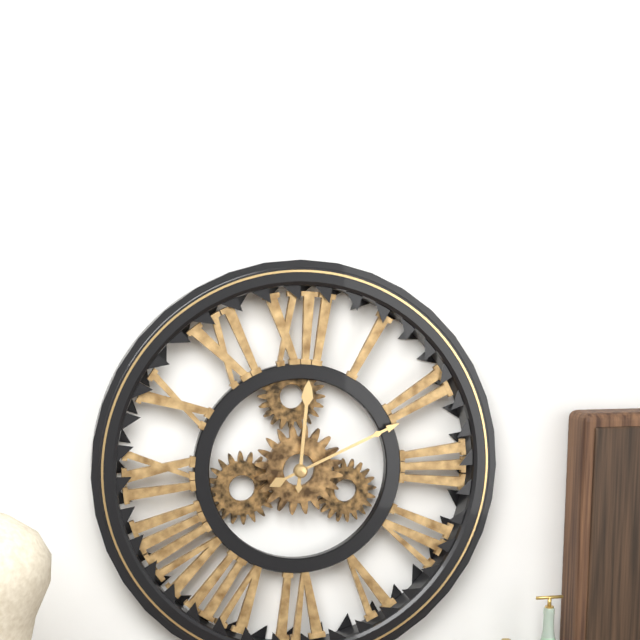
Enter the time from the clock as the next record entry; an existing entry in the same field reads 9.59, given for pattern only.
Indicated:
12.11
